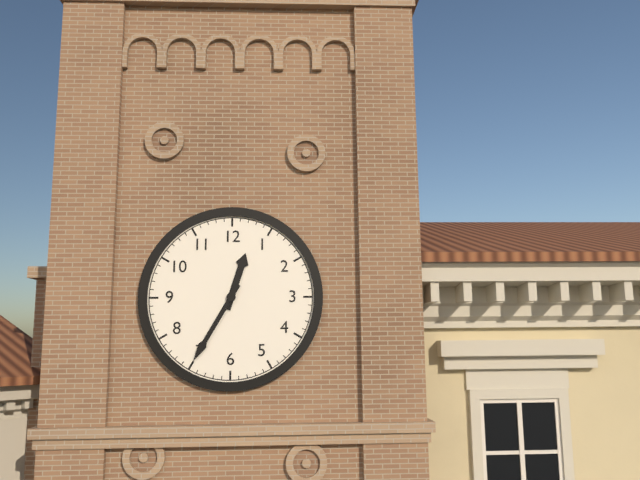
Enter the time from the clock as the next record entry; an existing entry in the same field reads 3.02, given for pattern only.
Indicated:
12.35
